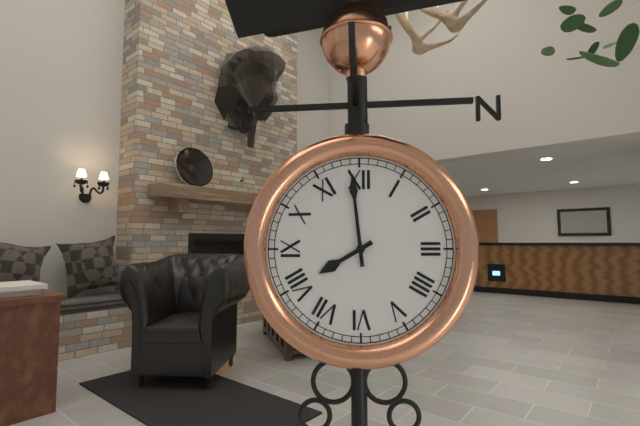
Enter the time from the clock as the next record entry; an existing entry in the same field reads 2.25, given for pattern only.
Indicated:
7.59
